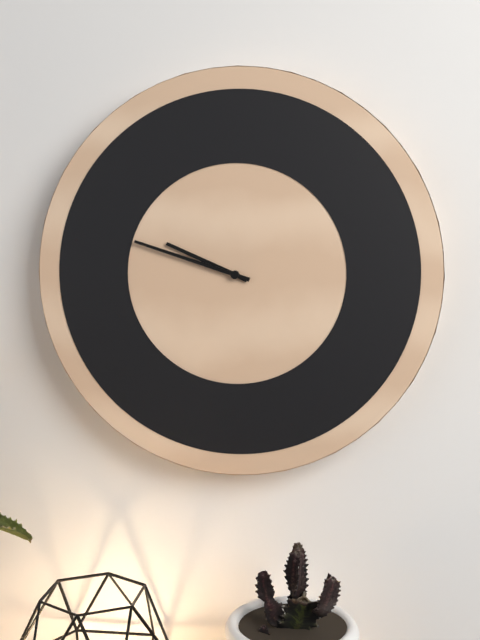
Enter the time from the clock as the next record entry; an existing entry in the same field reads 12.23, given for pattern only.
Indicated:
9.48
